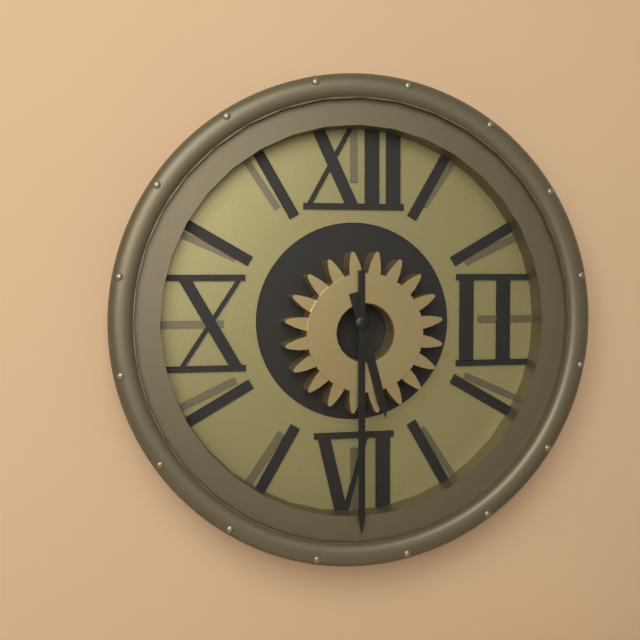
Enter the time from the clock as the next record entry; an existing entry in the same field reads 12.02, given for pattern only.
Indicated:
5.30
